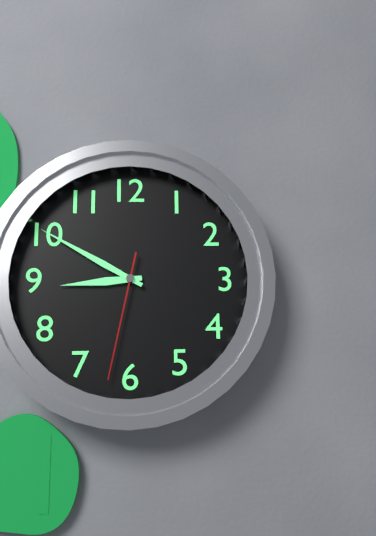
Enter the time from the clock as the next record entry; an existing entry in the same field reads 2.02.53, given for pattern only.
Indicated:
8.50.32
